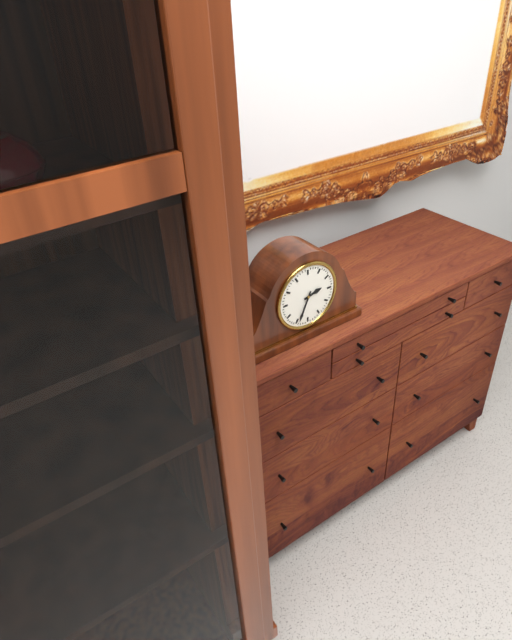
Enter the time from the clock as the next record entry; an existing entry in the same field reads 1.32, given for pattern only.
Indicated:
2.34
